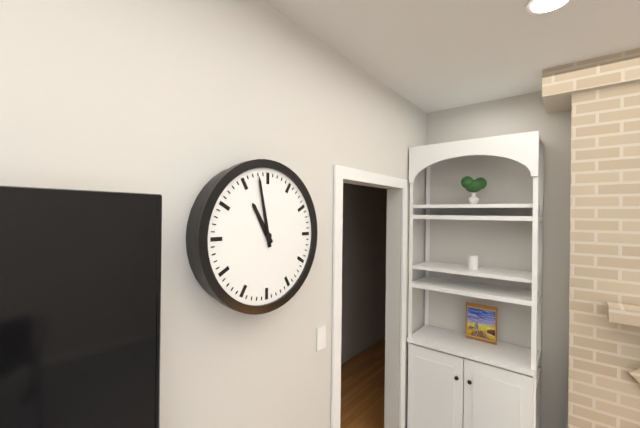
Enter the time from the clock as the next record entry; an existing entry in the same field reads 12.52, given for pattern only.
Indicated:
10.58
